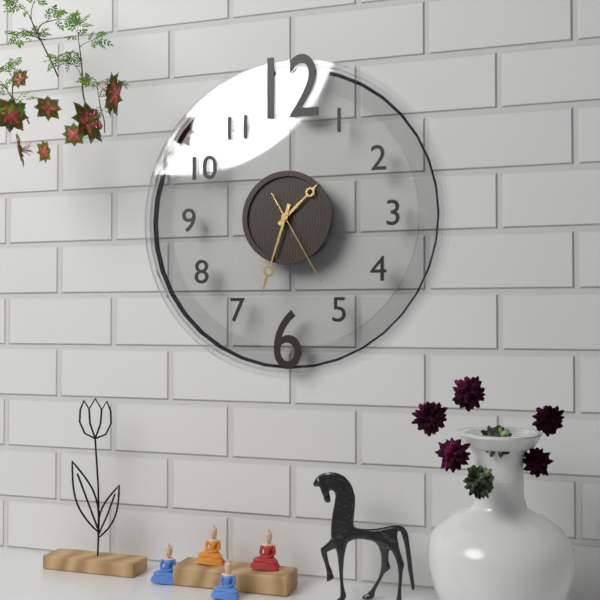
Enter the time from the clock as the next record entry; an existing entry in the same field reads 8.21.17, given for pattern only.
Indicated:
1.33.25
